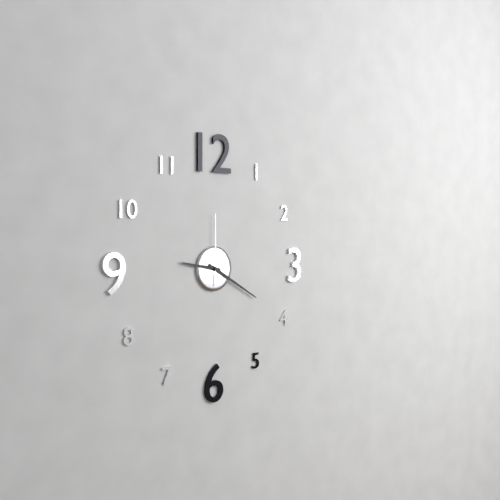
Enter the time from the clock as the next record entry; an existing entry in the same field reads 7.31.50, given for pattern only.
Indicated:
9.20.00
